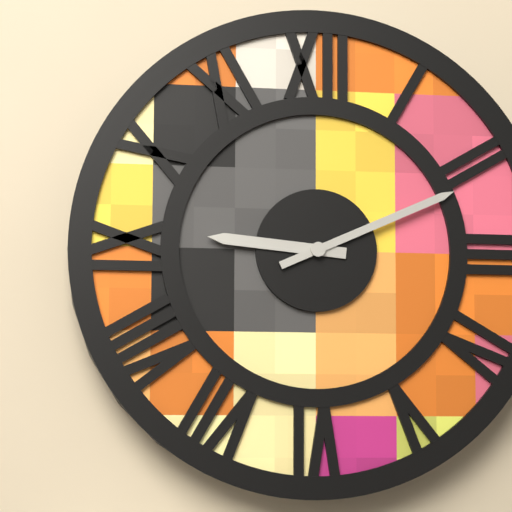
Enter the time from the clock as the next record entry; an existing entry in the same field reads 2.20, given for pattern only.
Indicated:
9.11
